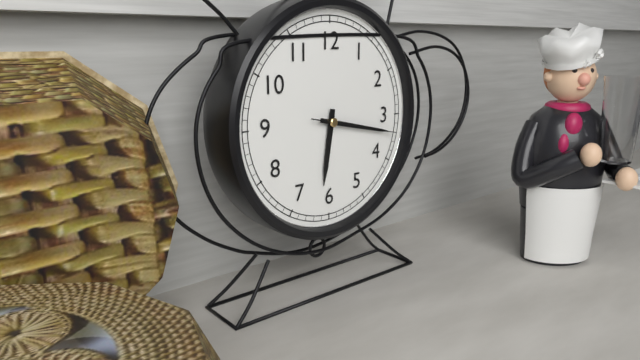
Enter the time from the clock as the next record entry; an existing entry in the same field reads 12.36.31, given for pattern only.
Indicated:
6.17.17
